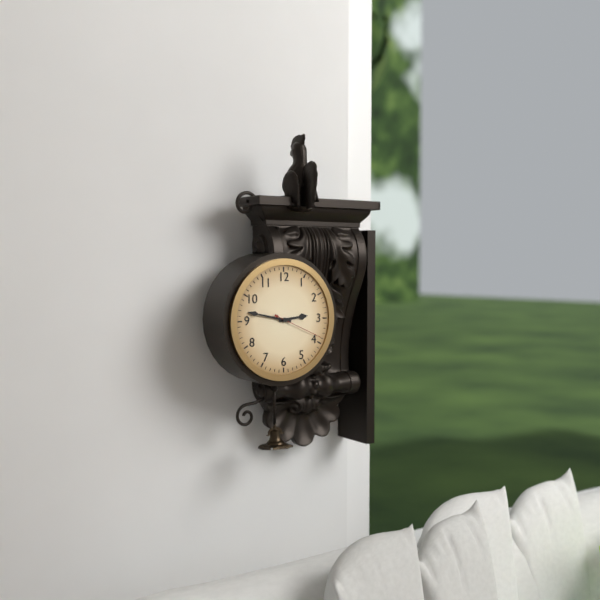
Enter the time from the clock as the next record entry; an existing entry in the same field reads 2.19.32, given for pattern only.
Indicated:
2.47.19
